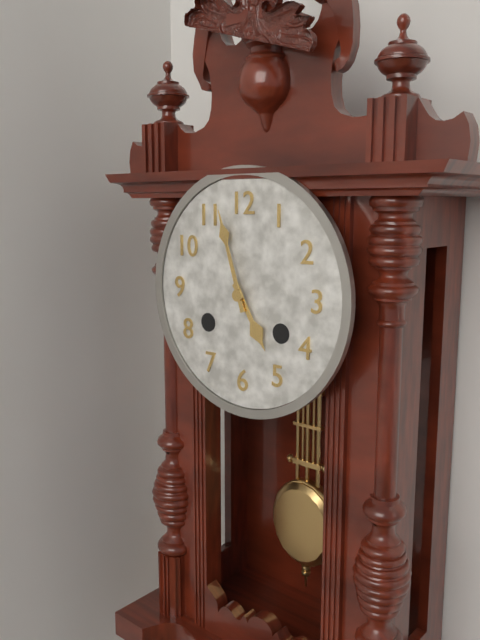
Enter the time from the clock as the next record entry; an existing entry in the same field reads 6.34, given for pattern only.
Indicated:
4.57
